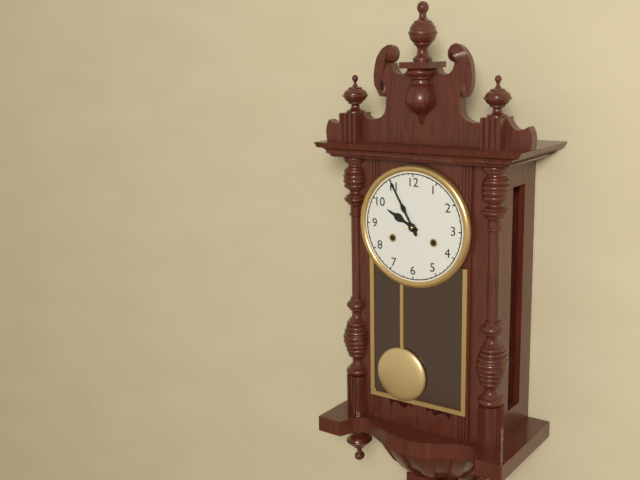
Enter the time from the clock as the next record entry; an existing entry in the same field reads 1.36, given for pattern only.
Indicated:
9.55
